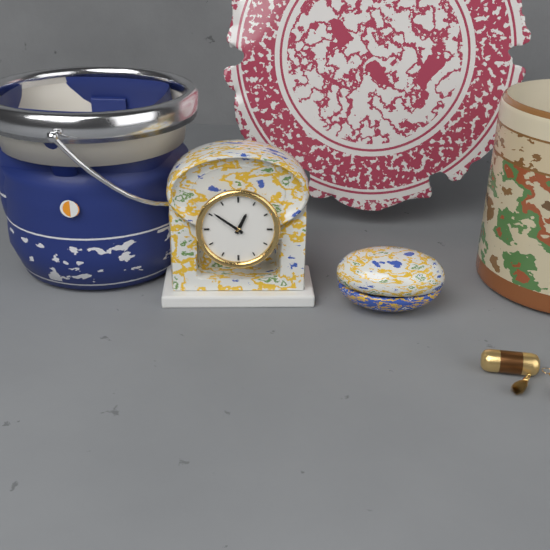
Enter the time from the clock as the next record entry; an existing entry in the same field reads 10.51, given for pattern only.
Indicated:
12.51
